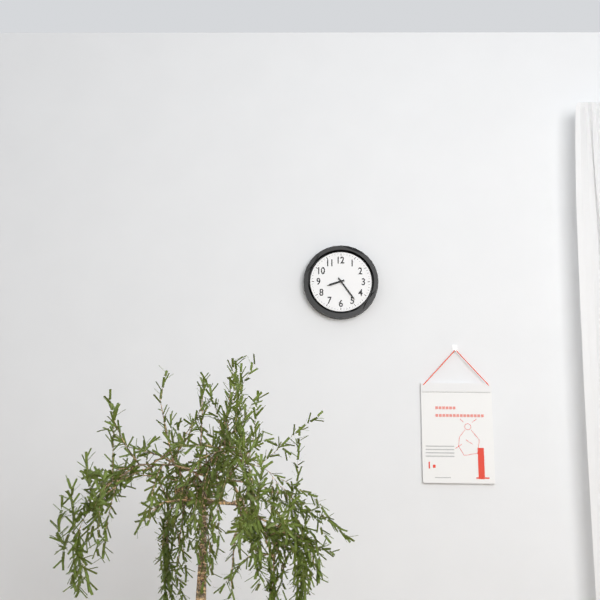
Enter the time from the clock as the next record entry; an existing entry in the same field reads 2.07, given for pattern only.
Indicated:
8.24
